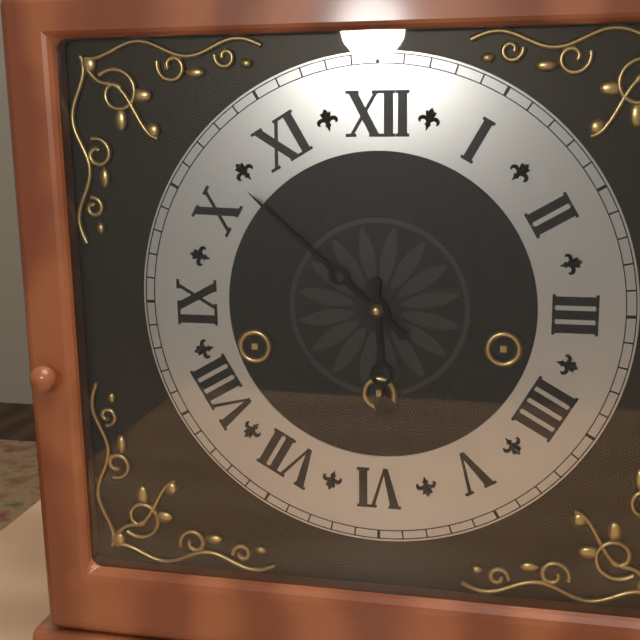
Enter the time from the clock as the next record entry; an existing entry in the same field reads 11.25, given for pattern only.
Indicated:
5.52
